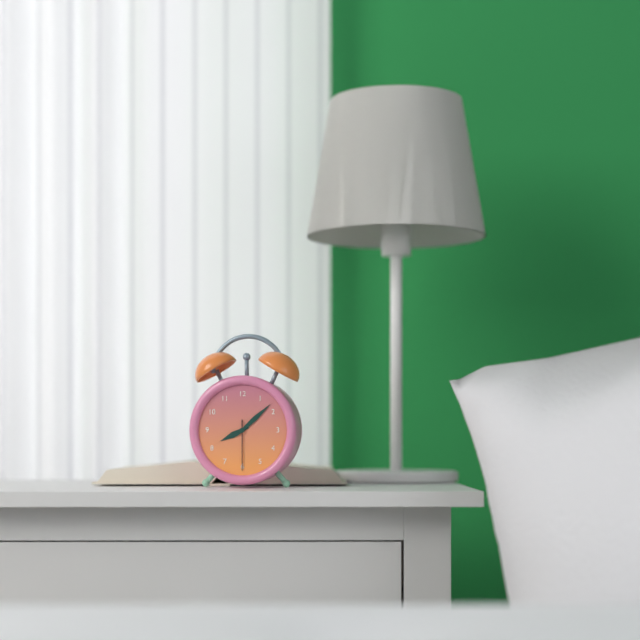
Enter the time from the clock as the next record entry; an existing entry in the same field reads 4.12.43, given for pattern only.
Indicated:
8.08.30
